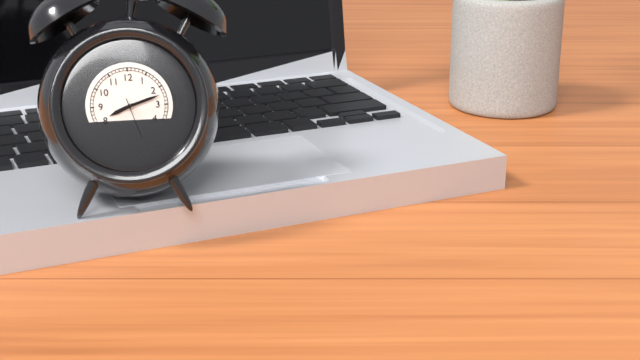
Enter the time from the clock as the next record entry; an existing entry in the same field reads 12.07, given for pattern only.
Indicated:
8.12
